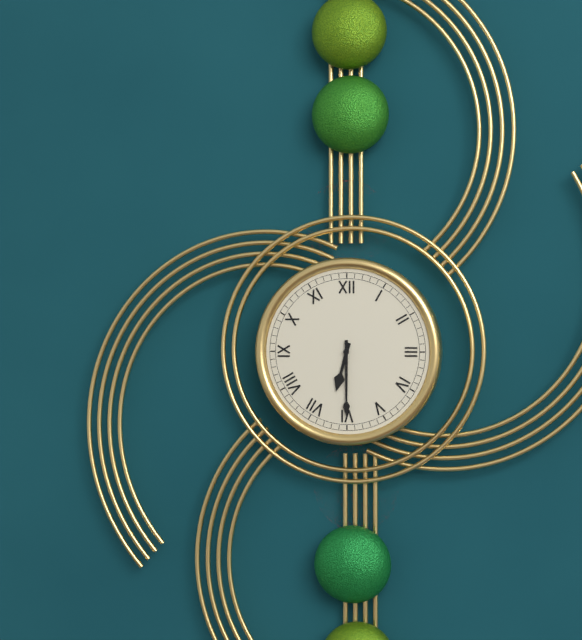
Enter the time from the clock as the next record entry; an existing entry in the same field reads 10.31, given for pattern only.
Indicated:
6.30
